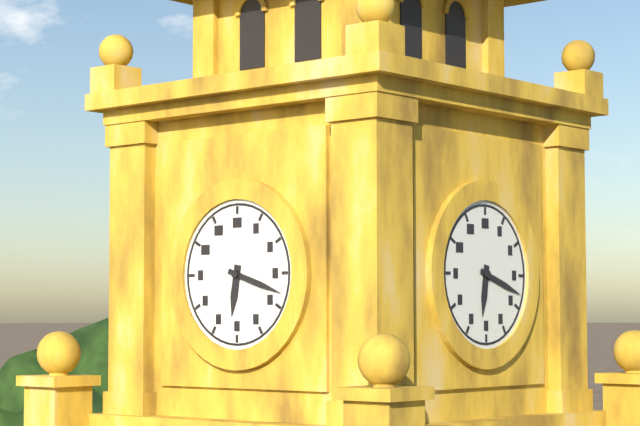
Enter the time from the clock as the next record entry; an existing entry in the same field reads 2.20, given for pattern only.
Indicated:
6.18
